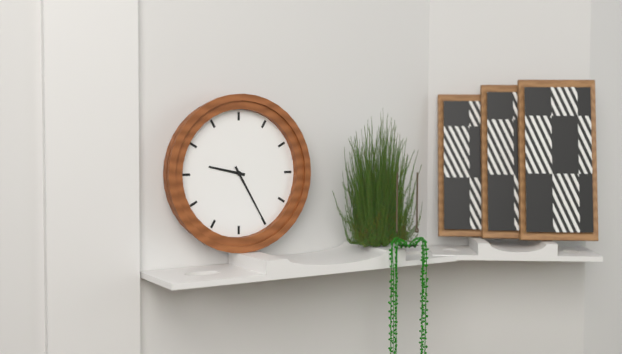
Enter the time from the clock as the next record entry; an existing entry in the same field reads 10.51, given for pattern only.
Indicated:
9.25
